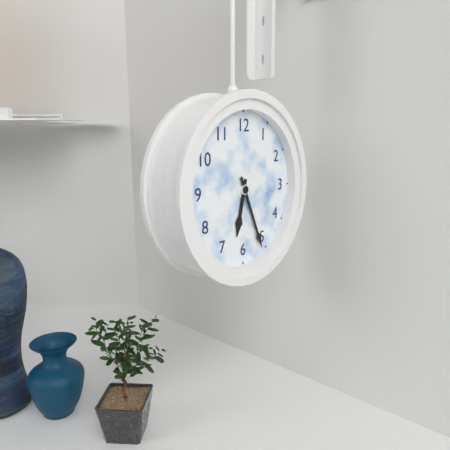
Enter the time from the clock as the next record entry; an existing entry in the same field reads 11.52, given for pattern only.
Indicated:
6.26
